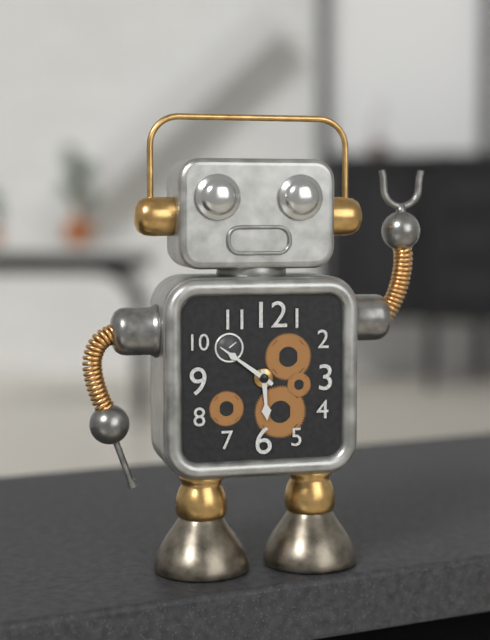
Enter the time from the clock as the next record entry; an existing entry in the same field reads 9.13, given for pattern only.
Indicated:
5.51
